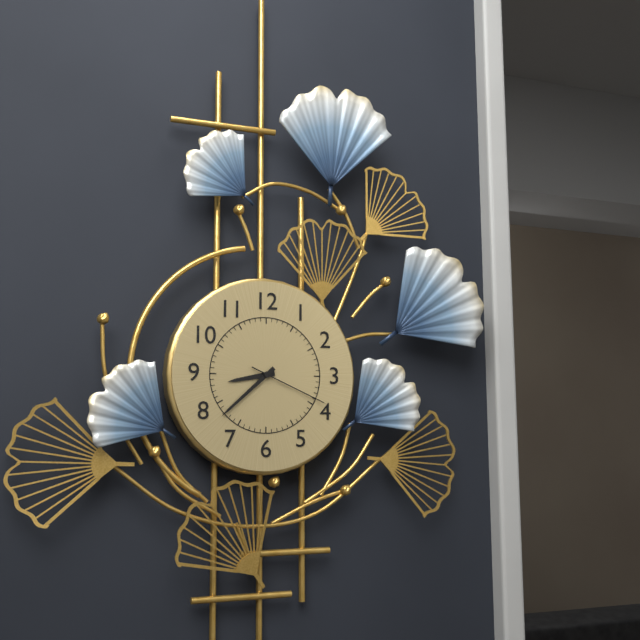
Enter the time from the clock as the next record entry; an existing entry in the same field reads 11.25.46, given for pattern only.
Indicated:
8.38.19
